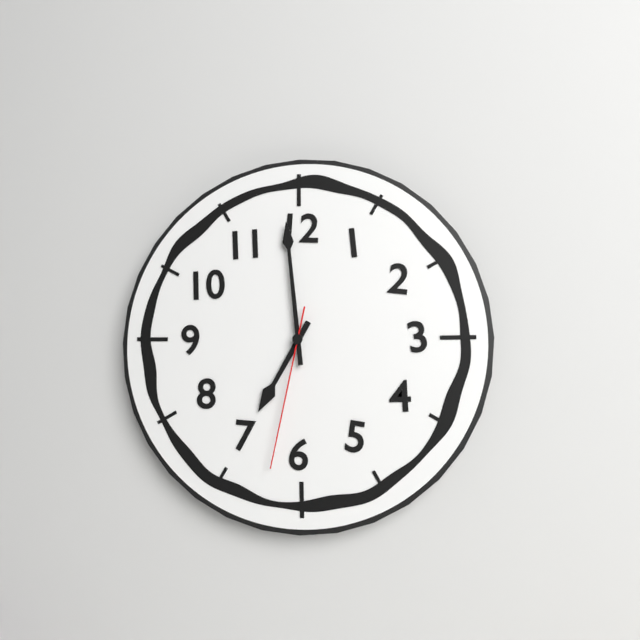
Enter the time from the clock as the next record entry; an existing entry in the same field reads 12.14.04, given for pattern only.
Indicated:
6.59.32
